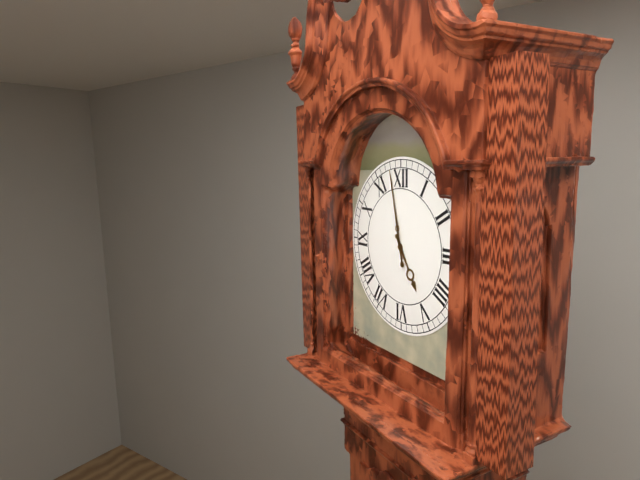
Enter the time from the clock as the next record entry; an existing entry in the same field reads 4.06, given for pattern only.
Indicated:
4.58
